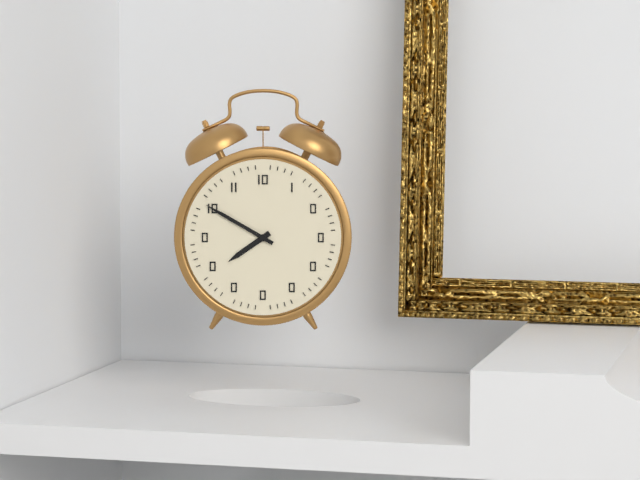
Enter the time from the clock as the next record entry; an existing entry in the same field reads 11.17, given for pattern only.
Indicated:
7.50
